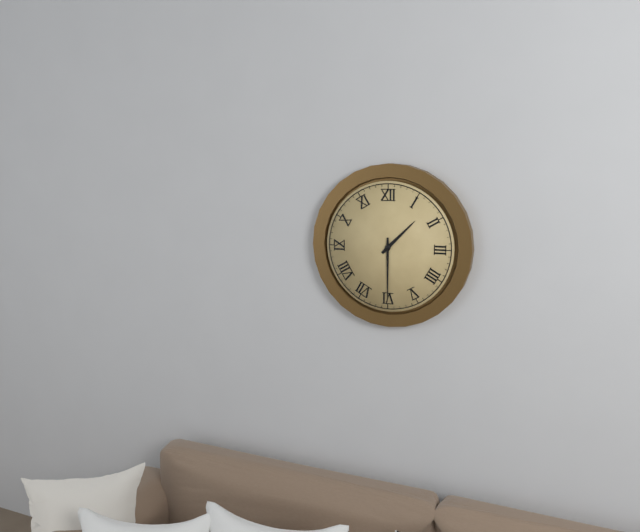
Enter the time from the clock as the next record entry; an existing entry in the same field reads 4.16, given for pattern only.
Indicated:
1.30
